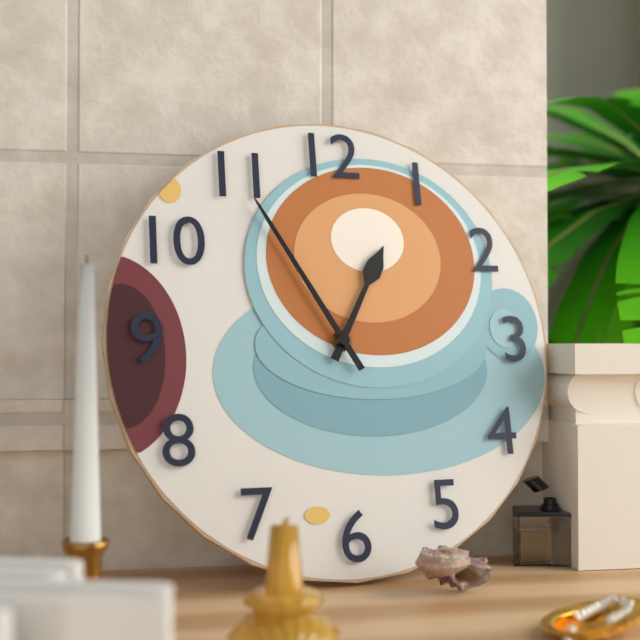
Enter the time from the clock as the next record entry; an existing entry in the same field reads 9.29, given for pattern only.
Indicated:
12.55
